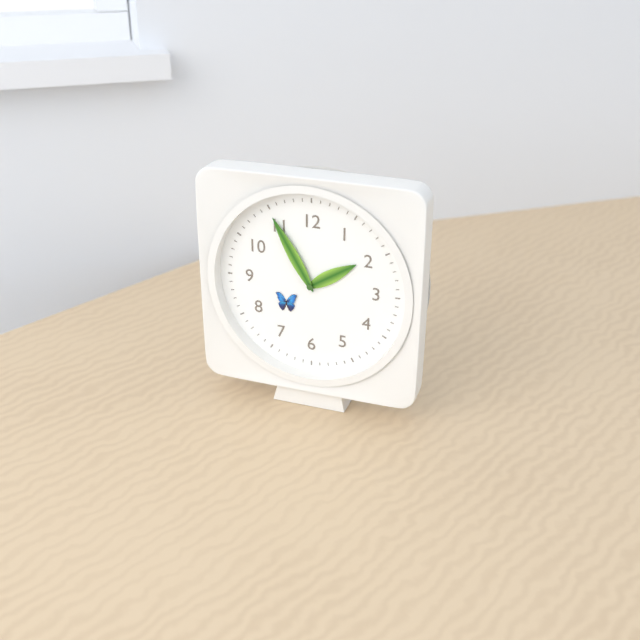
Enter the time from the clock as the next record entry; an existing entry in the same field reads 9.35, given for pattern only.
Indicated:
1.55
